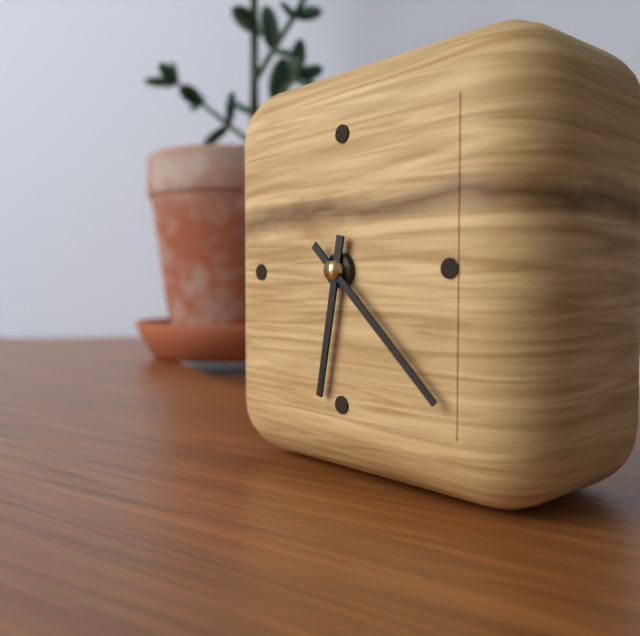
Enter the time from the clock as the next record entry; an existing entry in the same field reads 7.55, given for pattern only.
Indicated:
6.22
